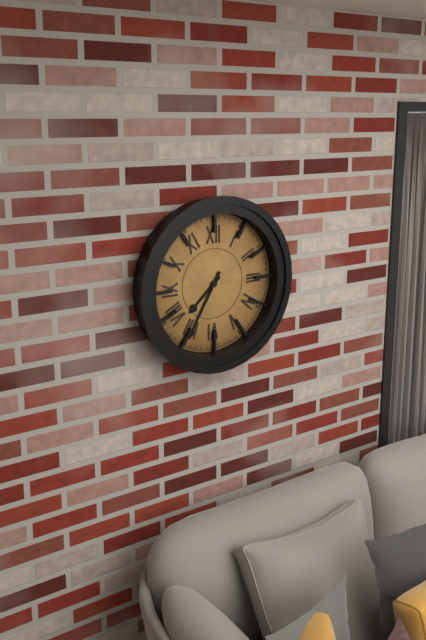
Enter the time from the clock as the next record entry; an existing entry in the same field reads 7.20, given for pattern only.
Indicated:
7.35
